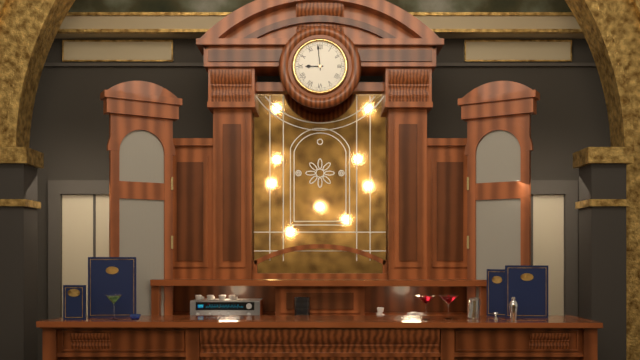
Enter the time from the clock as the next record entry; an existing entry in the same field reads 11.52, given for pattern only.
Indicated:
8.59
